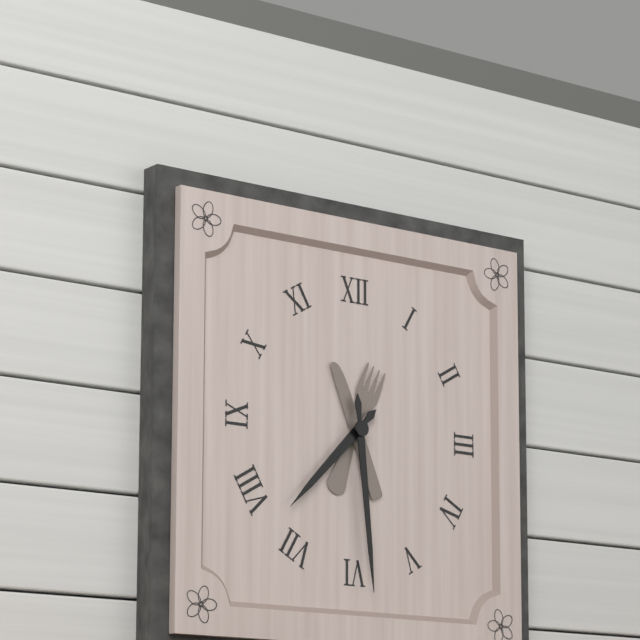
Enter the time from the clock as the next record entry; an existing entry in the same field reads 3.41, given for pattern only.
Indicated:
7.29
